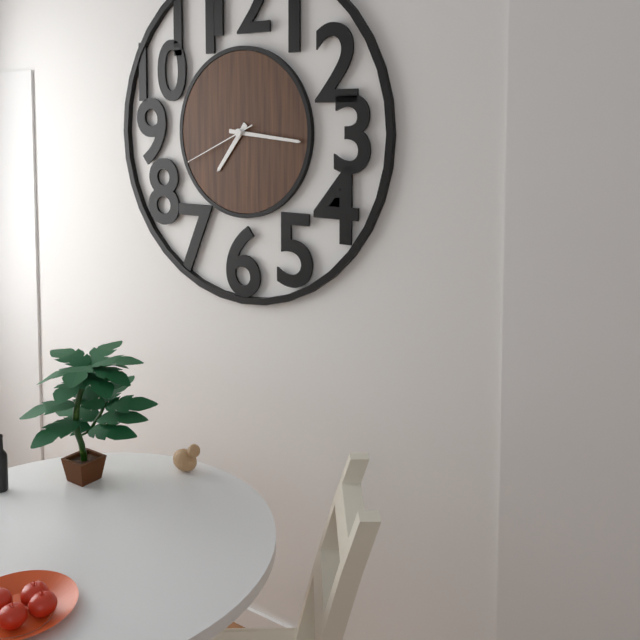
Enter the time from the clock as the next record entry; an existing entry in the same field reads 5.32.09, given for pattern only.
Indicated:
7.16.41
